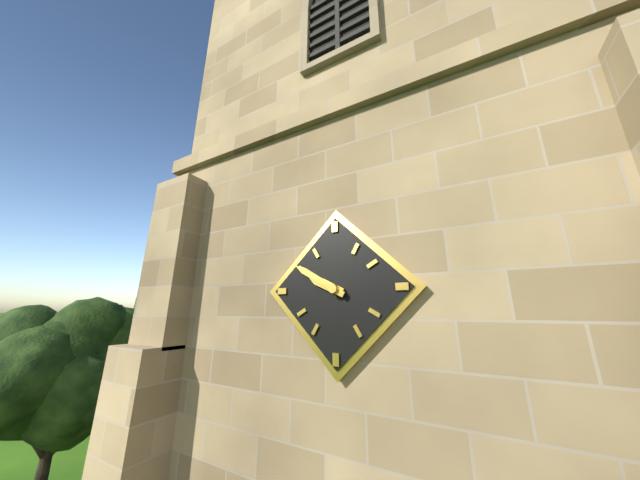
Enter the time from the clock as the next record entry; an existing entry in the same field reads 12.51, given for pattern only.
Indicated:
9.50
